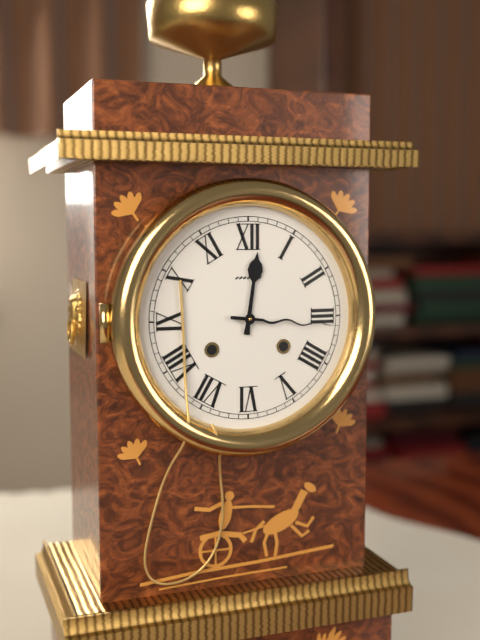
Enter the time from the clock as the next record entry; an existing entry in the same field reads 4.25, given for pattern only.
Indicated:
12.16
